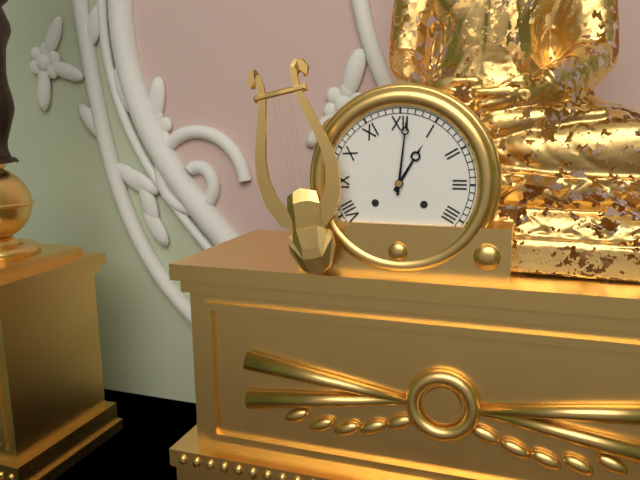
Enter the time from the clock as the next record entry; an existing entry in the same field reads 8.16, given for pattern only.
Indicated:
1.01
